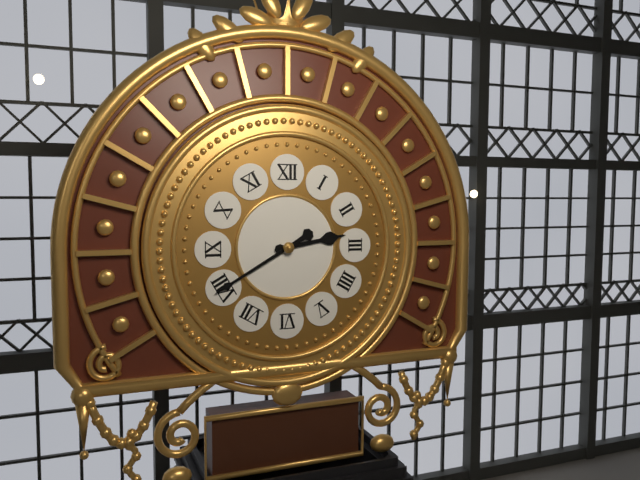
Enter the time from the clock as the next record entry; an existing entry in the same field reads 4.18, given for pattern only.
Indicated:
2.40
